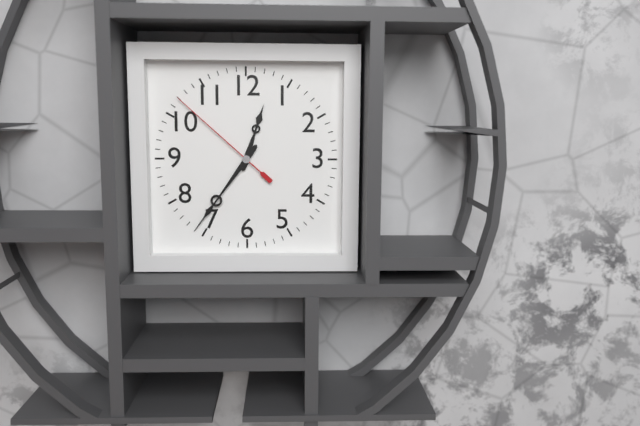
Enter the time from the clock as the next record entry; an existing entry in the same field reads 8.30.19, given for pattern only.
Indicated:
12.36.52
